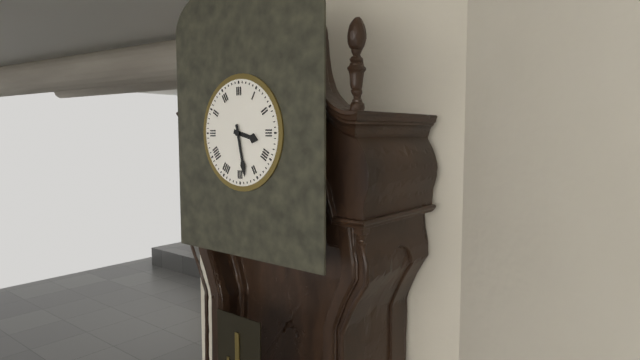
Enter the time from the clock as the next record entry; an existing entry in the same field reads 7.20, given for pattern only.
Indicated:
3.28
